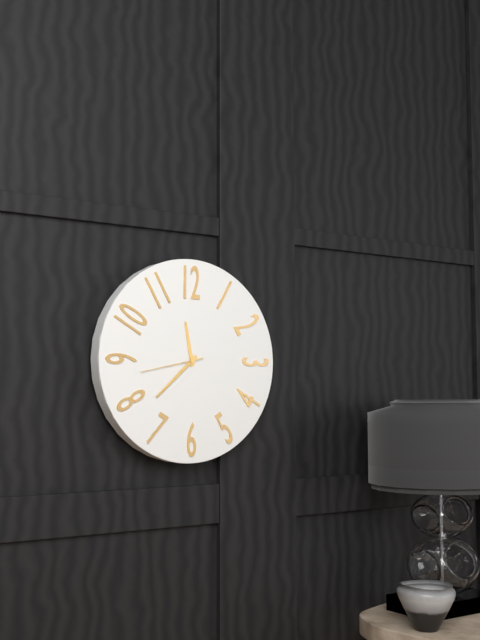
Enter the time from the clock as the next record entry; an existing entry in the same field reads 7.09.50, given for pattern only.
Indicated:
11.38.43
